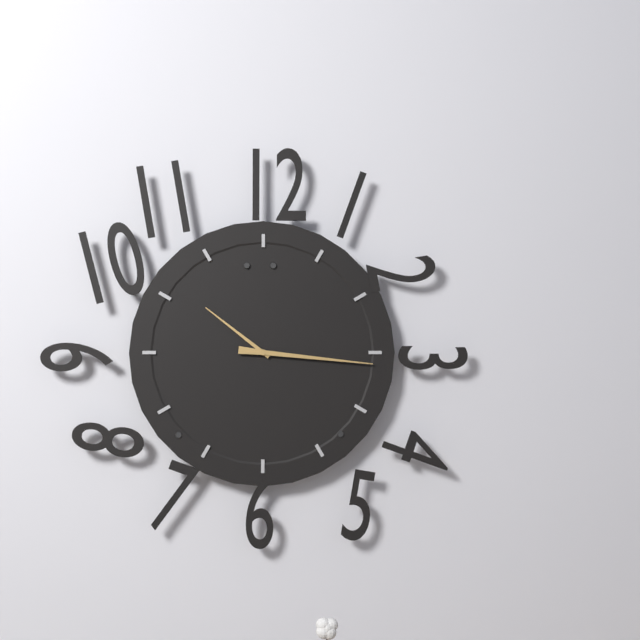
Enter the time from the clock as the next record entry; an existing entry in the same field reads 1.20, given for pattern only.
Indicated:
10.16
